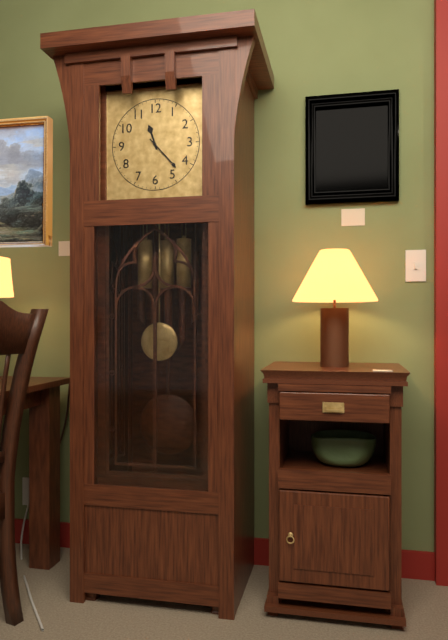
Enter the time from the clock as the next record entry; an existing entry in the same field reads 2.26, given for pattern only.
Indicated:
11.23
